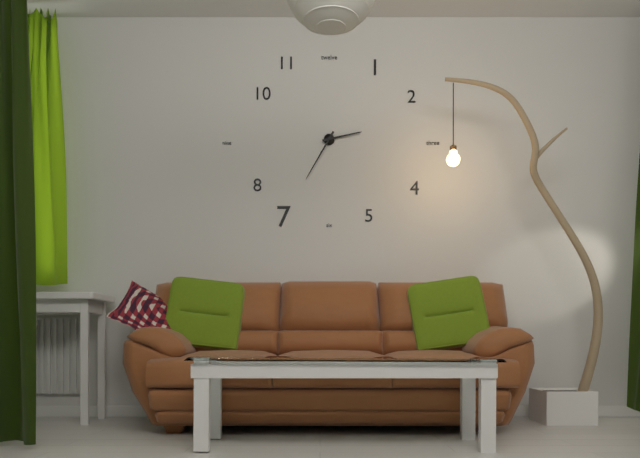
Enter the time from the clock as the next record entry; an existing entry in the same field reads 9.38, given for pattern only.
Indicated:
2.35
